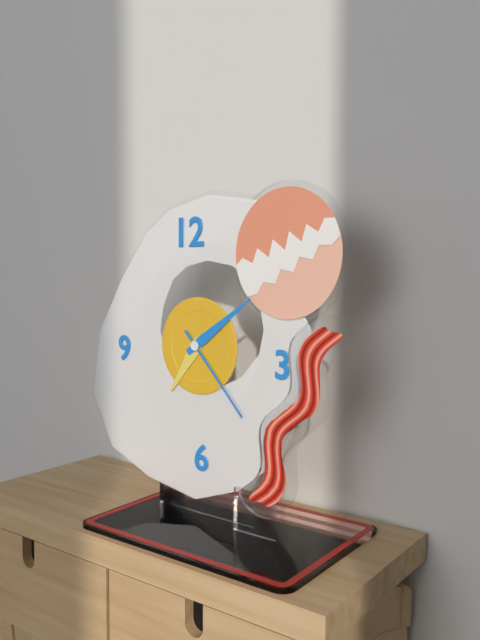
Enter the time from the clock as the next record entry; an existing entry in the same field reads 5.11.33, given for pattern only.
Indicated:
7.09.23
